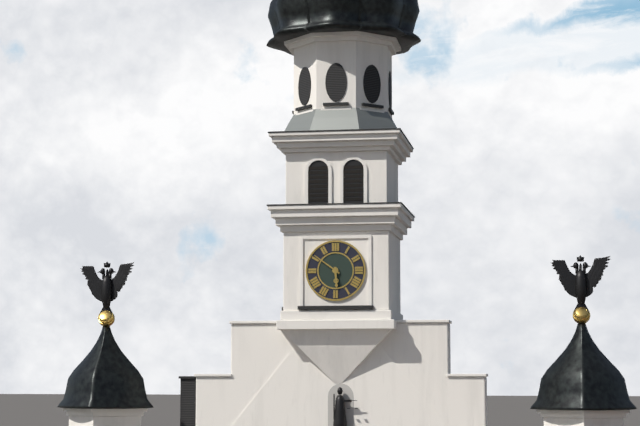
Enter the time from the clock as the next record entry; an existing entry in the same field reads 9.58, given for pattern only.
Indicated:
5.51
